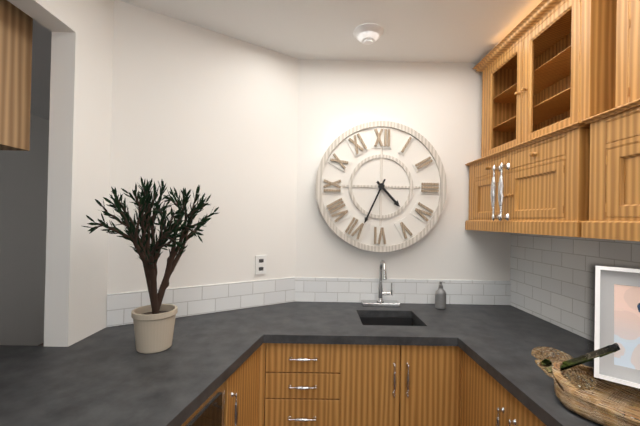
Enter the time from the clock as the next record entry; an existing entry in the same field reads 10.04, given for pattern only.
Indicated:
4.34
